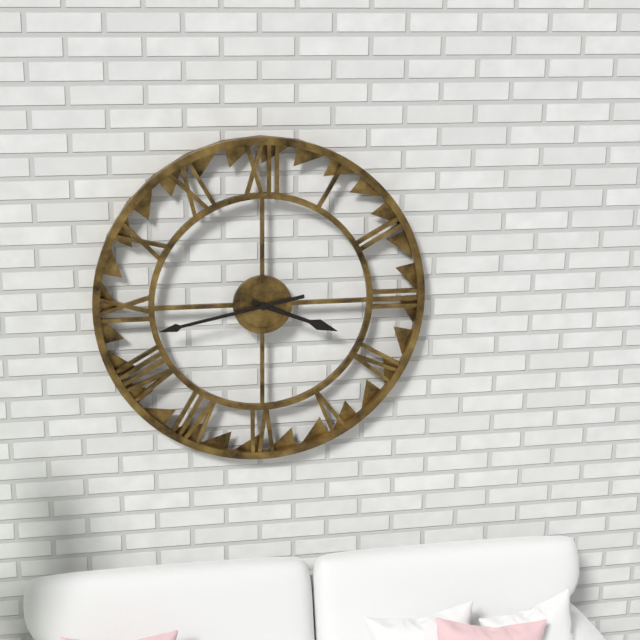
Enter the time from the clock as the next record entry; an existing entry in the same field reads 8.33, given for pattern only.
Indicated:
3.43
